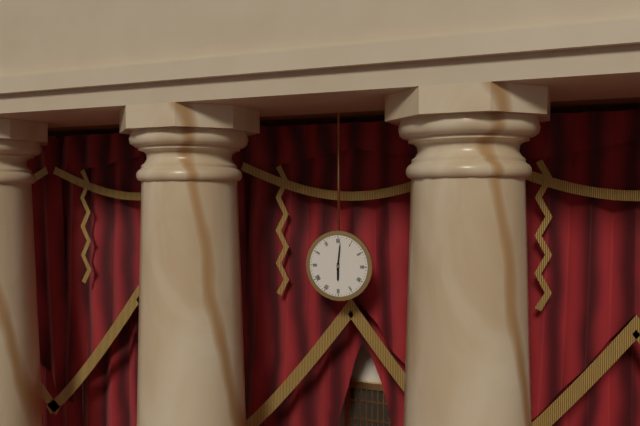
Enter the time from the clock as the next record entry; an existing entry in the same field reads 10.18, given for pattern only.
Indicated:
6.01
